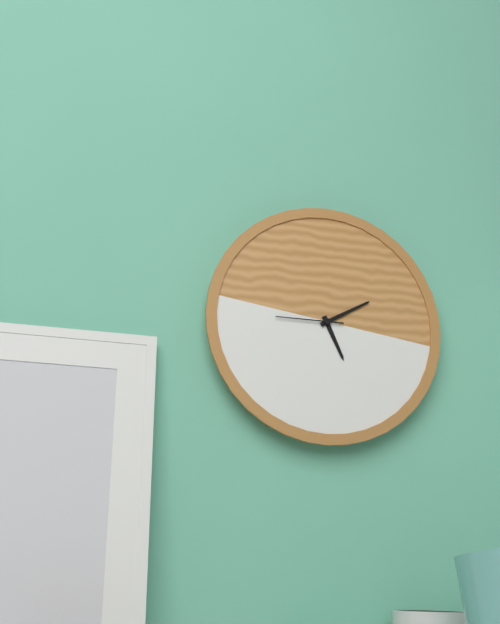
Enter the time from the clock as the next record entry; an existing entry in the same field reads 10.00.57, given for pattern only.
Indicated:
5.10.45
